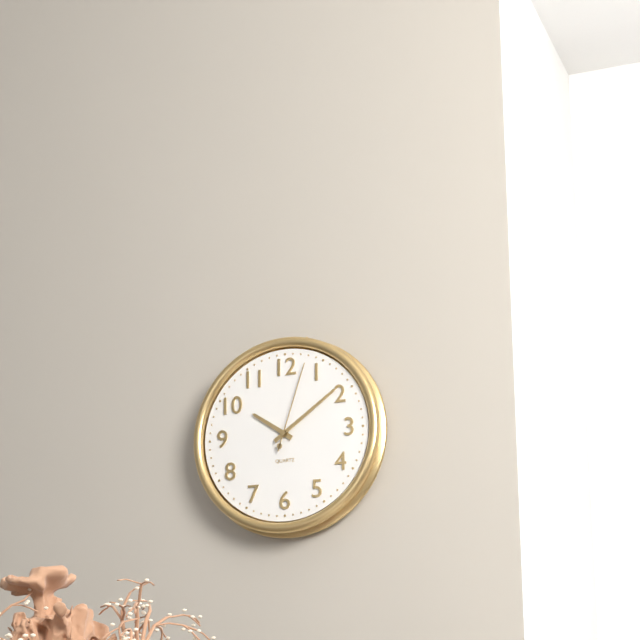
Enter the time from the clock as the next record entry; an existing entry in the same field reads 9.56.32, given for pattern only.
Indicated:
10.09.03
